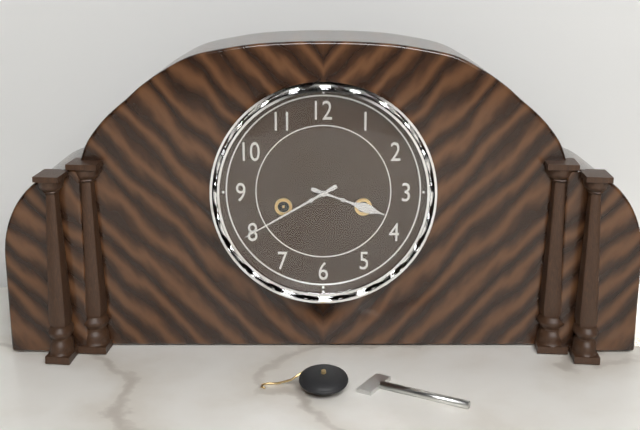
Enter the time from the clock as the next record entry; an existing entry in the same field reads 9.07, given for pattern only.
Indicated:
3.40
